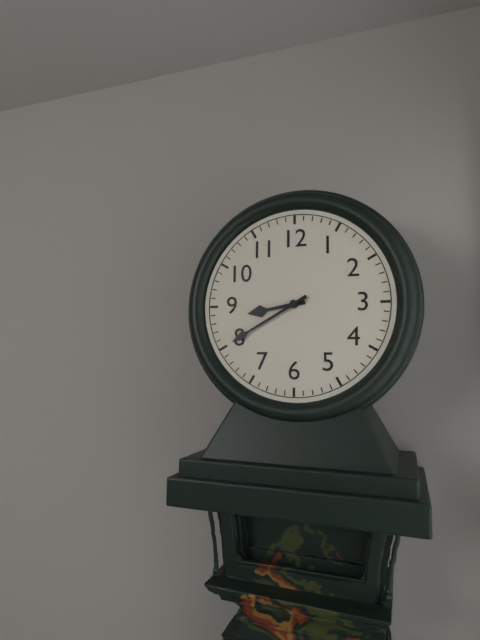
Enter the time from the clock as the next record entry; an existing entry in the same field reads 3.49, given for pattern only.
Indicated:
8.40
